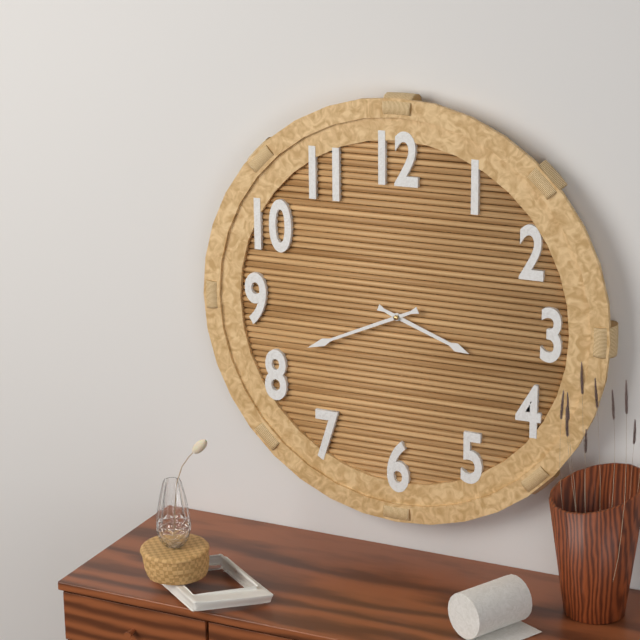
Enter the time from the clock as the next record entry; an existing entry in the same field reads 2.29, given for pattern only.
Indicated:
3.41
